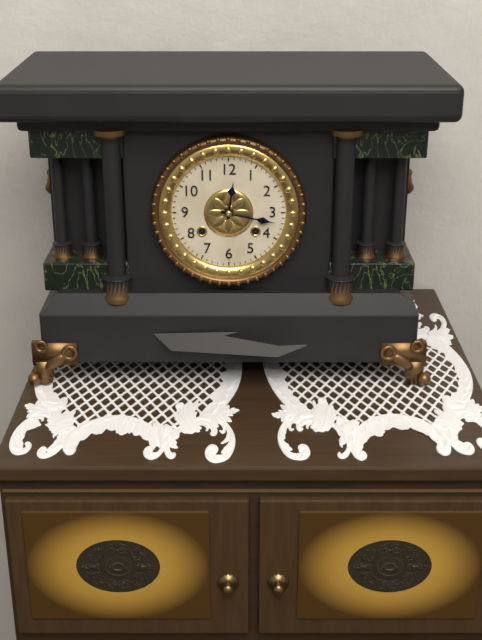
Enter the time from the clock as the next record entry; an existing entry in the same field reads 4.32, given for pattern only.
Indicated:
12.17
